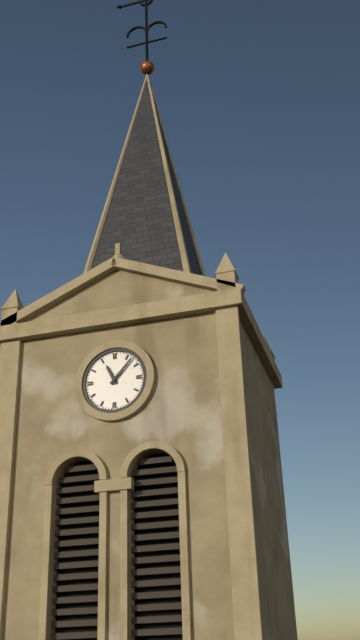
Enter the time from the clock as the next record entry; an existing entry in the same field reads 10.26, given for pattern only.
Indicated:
11.07
